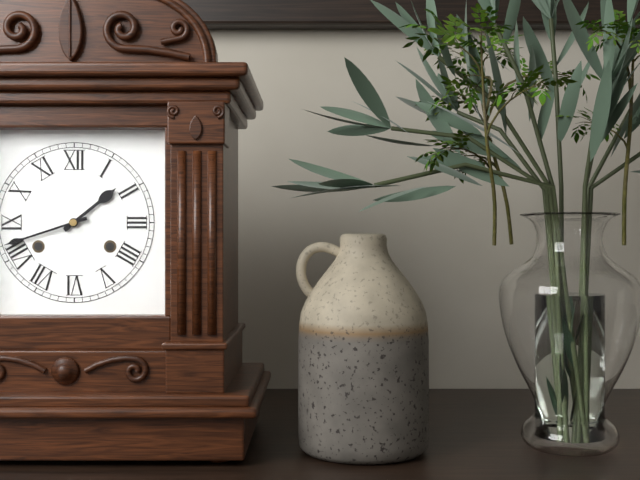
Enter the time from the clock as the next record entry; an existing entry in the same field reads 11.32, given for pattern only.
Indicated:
1.42
